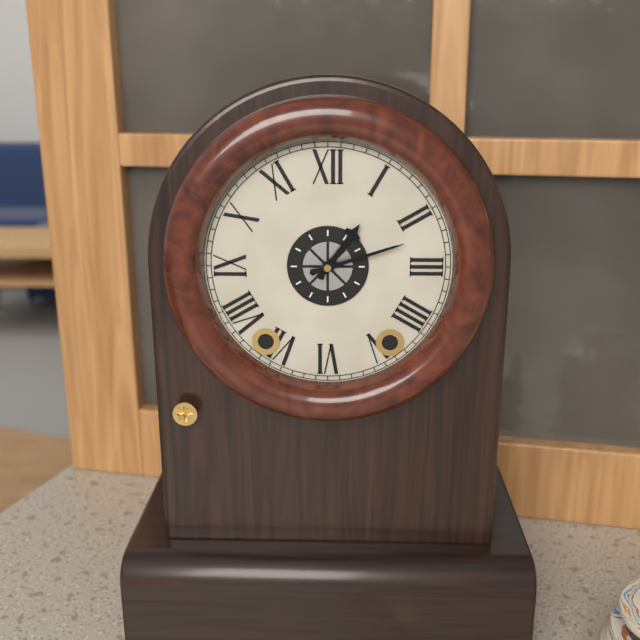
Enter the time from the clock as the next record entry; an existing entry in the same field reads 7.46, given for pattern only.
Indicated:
1.12
